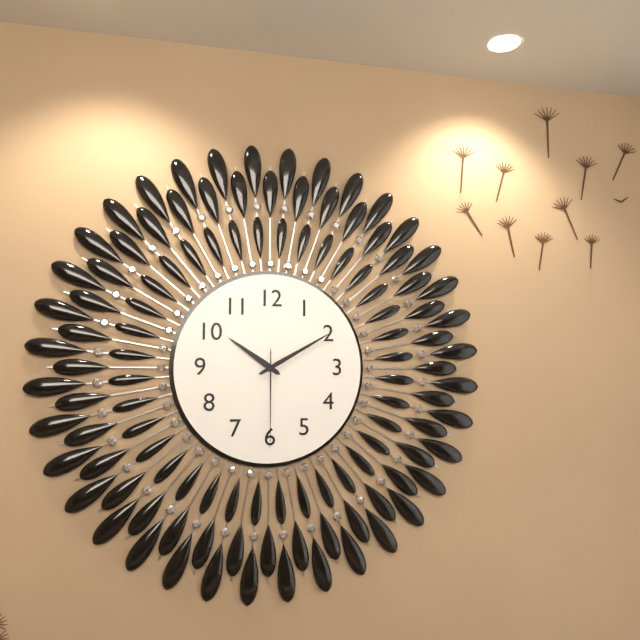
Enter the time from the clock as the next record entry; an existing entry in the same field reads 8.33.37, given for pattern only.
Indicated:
10.10.30
